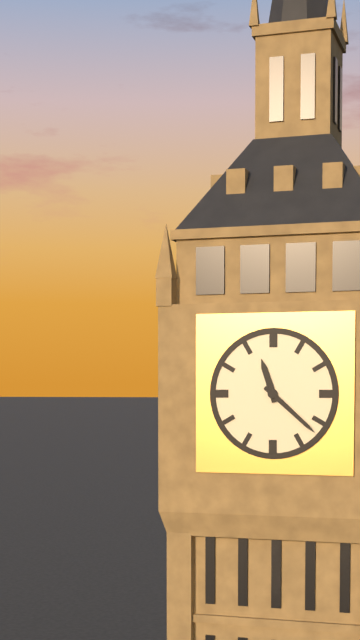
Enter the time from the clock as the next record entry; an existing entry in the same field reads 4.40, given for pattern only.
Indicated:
11.22
